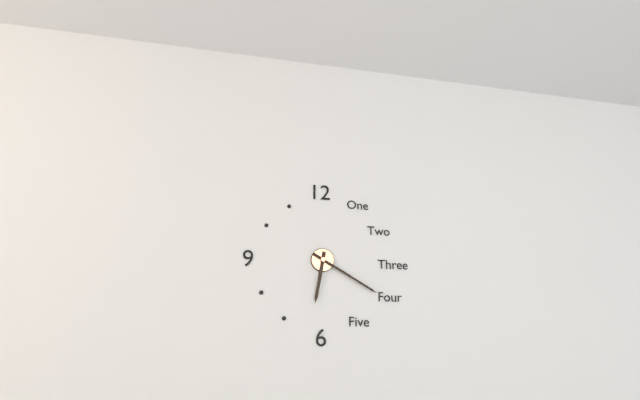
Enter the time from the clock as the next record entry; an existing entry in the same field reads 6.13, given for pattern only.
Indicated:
6.20
